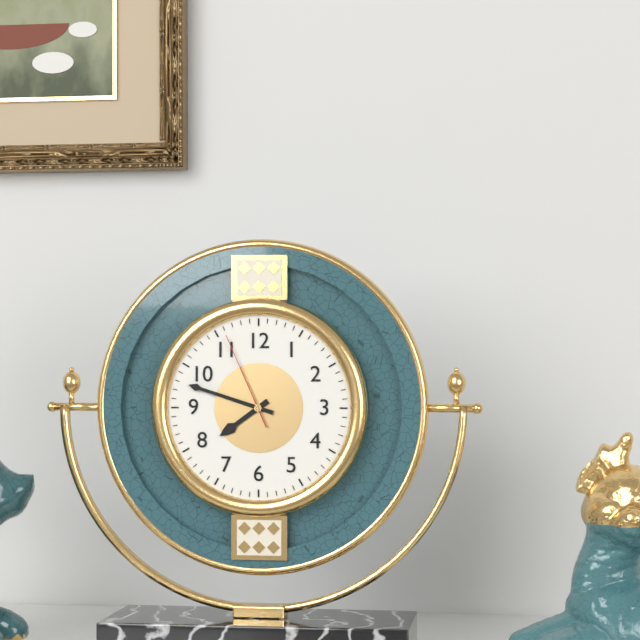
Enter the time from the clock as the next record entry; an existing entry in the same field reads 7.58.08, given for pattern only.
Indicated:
7.48.56
